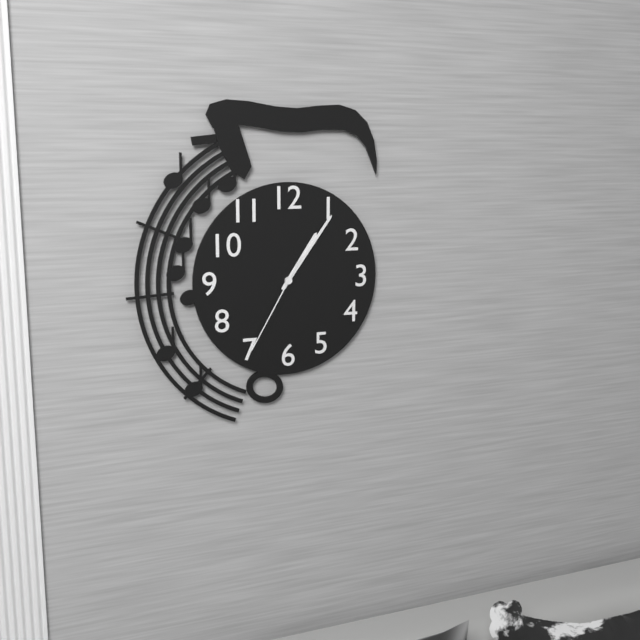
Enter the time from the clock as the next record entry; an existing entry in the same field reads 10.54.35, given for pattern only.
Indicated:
1.06.35
